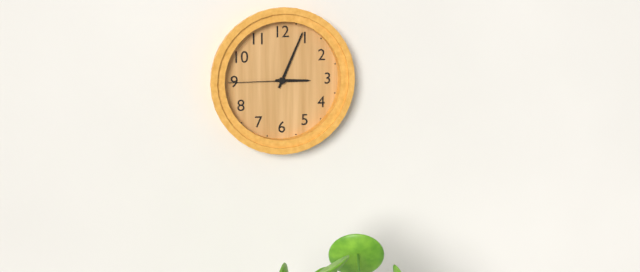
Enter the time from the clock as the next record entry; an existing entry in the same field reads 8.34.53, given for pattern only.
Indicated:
3.04.45
